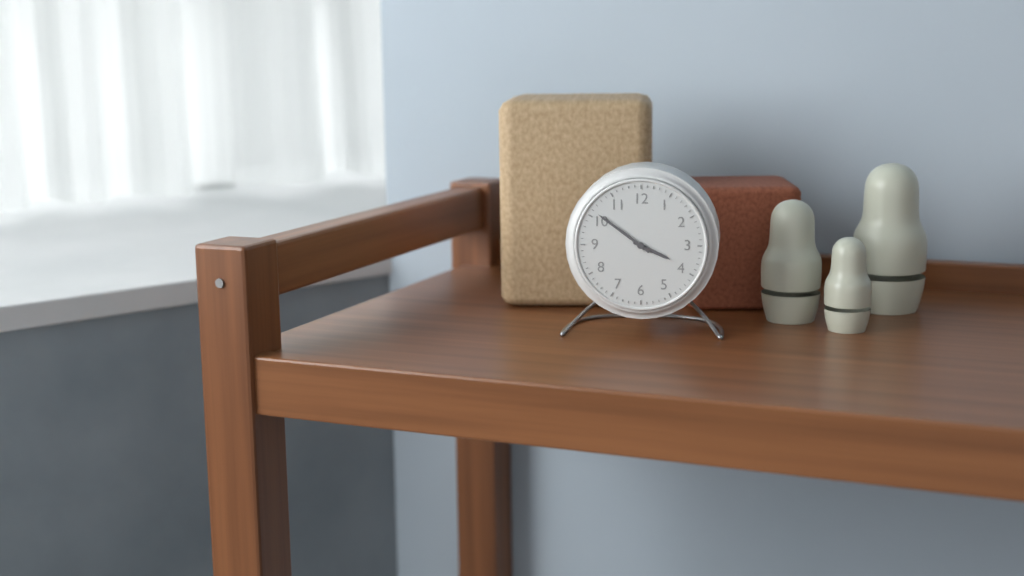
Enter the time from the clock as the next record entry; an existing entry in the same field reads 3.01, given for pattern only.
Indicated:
3.51
